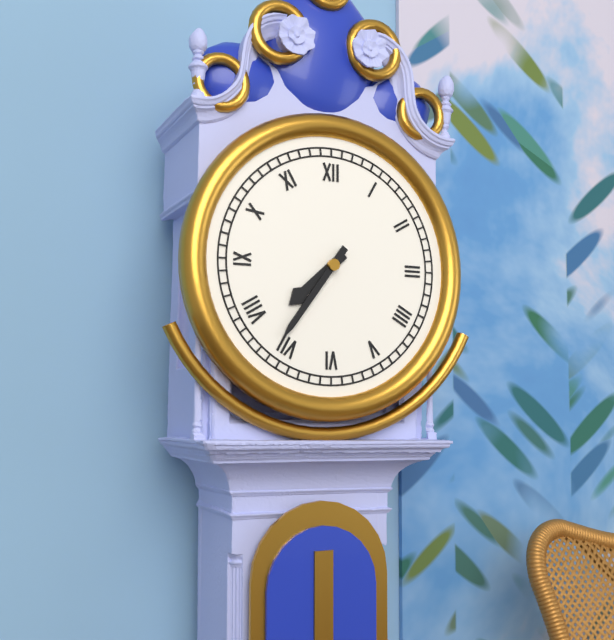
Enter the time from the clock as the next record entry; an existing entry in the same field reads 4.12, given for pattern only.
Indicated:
7.36
